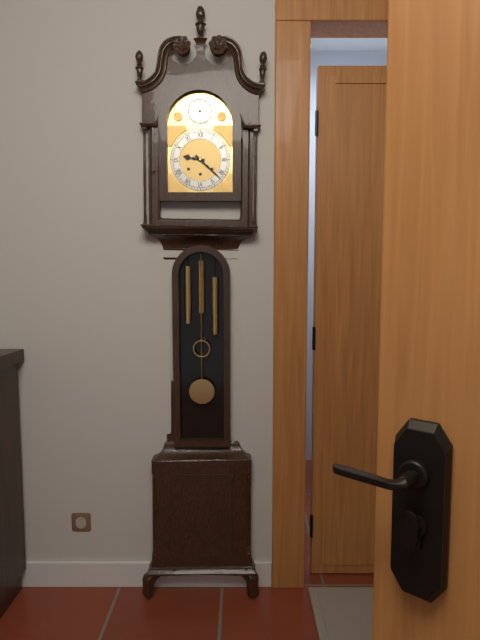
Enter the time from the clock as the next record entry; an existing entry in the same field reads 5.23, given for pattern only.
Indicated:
9.22
